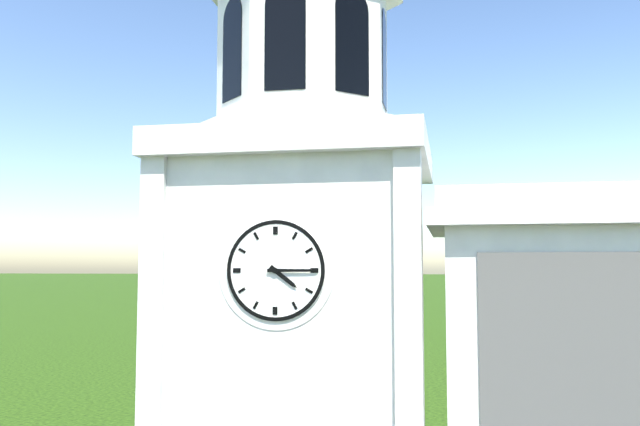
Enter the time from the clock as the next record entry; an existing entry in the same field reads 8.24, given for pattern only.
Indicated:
4.15
